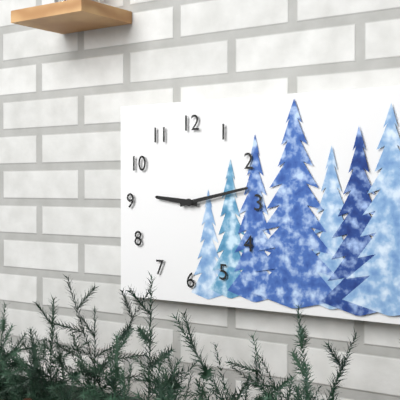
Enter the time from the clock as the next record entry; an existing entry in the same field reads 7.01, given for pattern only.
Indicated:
9.13
